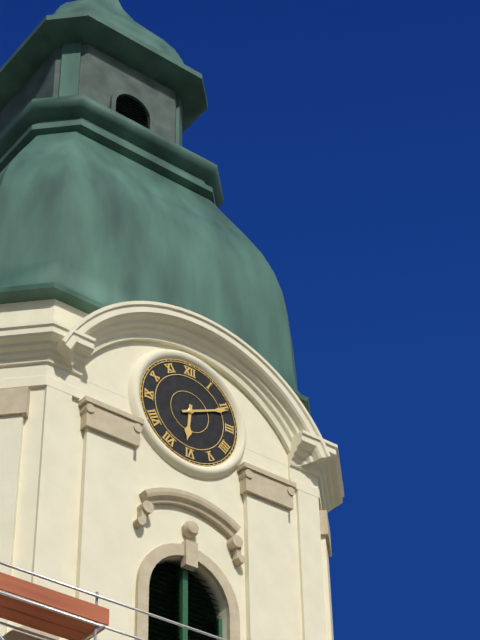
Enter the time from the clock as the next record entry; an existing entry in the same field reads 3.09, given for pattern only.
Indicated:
6.11
